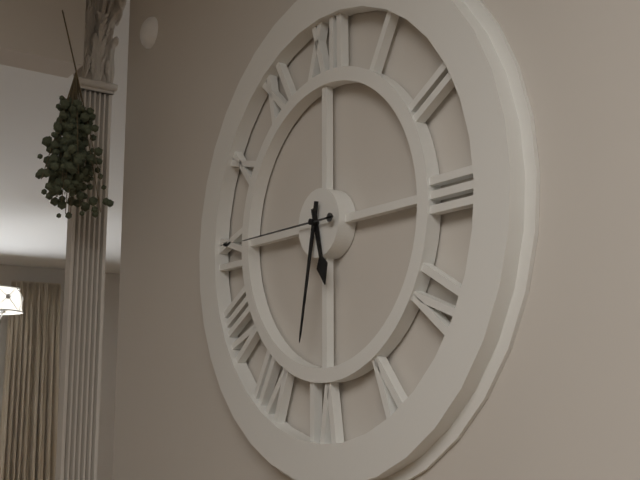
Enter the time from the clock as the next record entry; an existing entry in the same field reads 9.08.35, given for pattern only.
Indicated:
5.32.45
